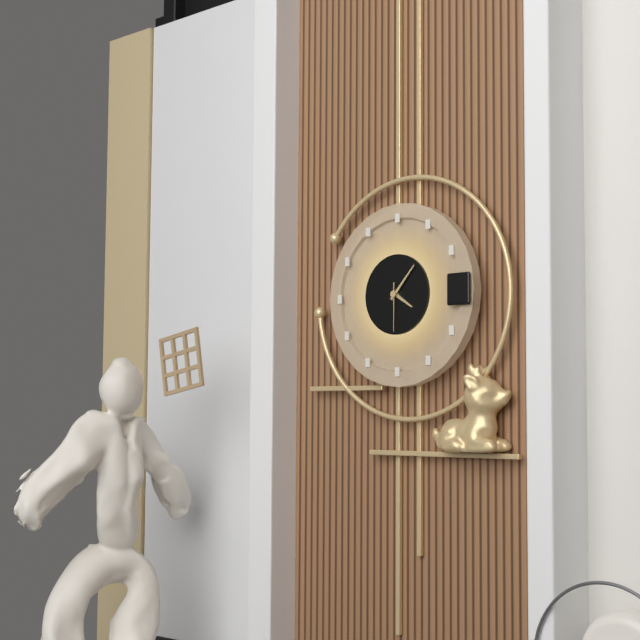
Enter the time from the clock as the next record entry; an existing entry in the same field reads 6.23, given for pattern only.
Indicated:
4.07
